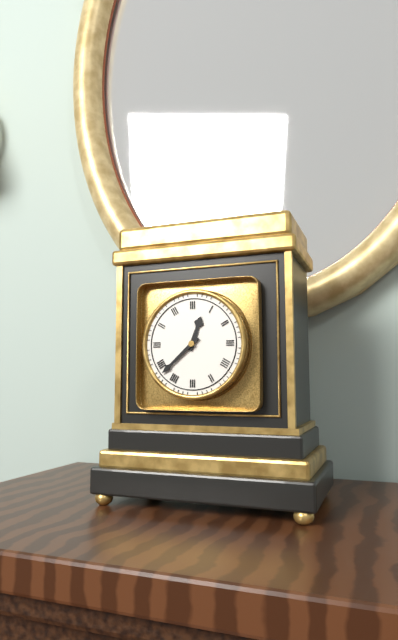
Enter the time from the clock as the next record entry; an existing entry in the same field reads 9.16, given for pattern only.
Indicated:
12.38
